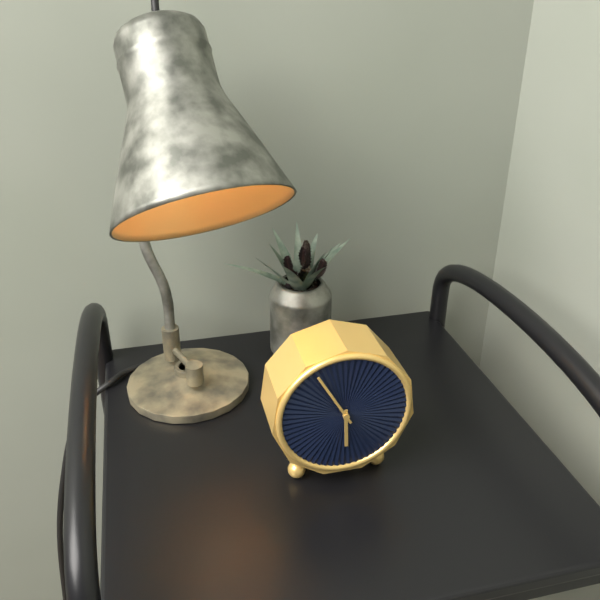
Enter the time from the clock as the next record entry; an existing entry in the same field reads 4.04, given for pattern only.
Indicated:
5.55
